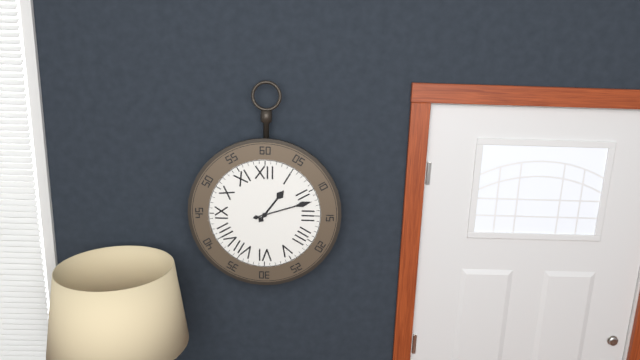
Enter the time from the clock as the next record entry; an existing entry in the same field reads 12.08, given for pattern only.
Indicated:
1.12
